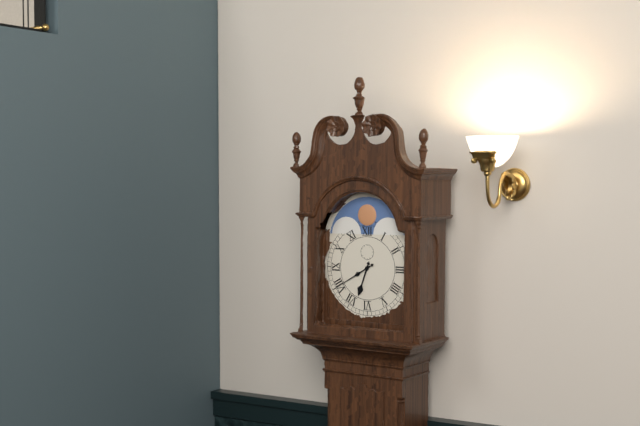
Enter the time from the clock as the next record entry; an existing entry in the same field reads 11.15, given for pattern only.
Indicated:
6.40
